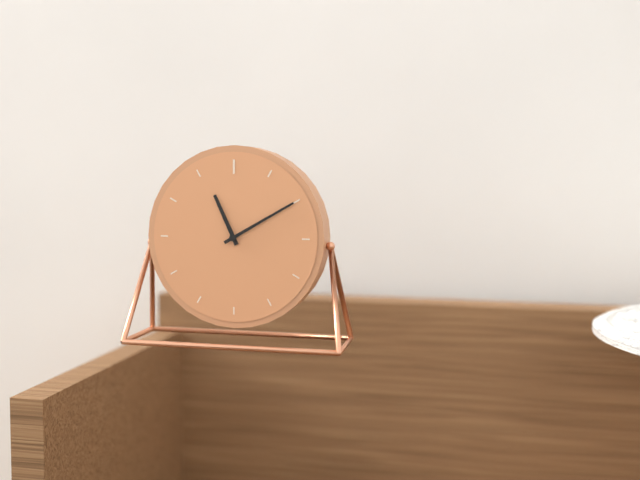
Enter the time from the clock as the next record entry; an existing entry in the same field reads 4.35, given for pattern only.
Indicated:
11.10
